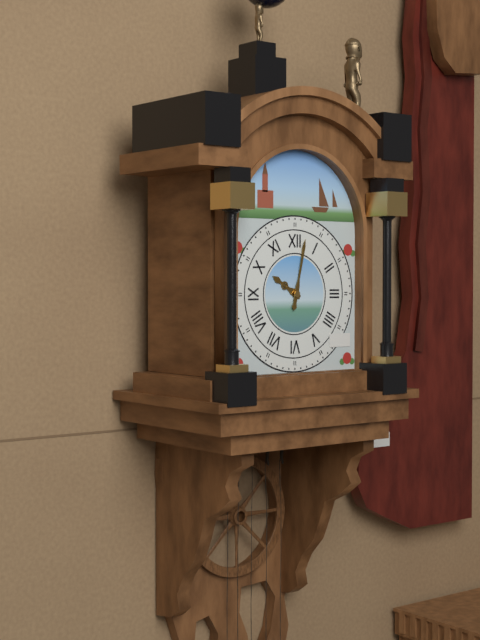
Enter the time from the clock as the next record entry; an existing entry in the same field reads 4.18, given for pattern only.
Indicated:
10.02
